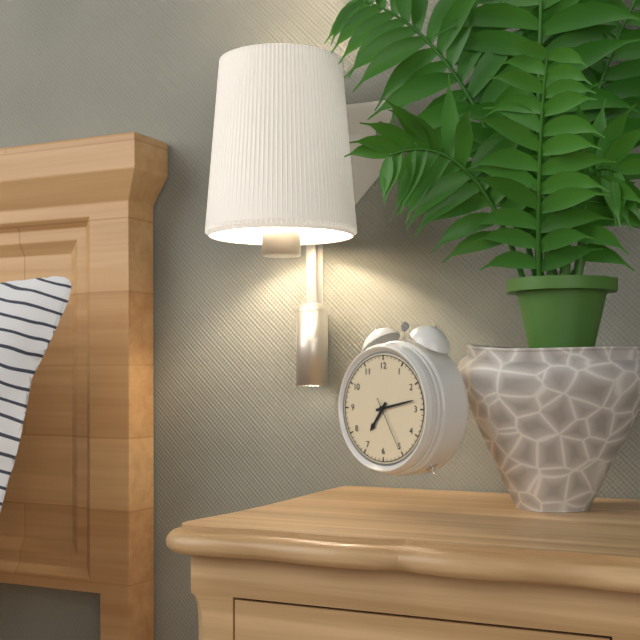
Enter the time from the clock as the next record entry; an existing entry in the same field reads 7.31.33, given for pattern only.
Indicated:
7.13.25
